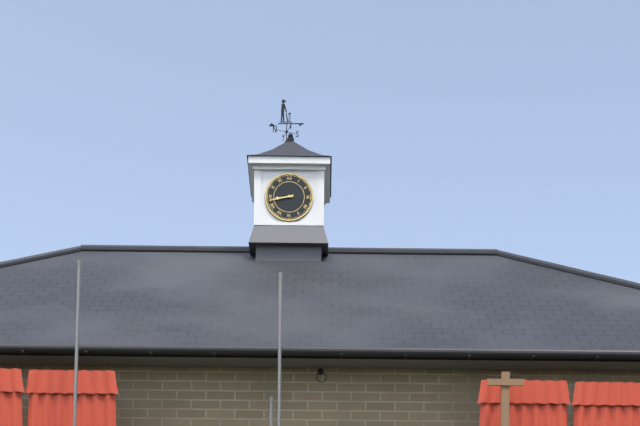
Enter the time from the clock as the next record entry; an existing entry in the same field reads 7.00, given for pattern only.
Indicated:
8.43
